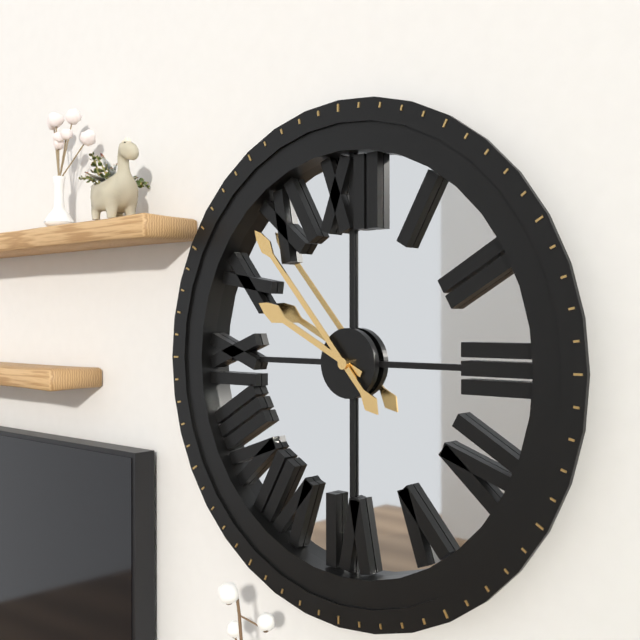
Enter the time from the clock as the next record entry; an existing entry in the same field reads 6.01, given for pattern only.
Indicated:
9.53
